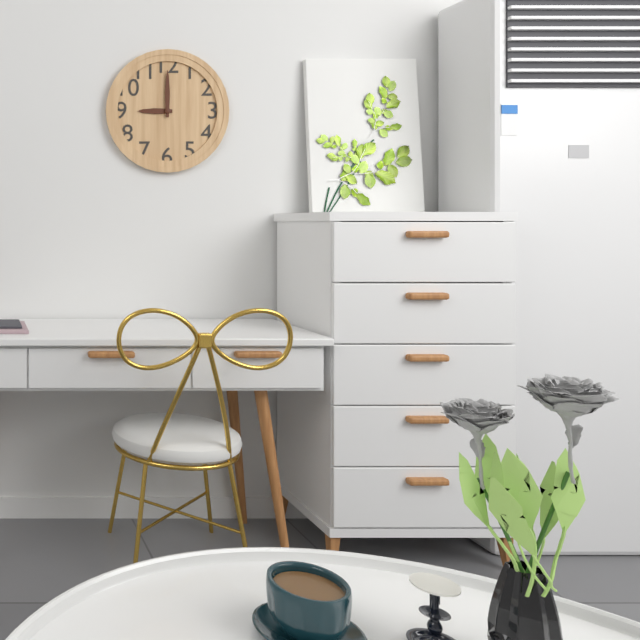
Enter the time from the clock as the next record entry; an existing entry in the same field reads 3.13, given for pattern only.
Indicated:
9.00
